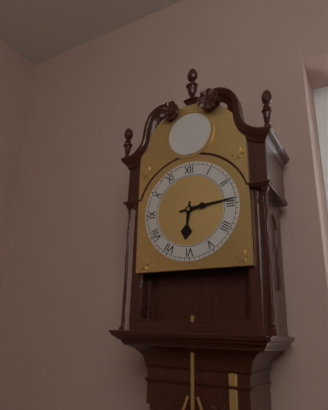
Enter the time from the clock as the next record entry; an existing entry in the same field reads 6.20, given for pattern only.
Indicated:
6.14
